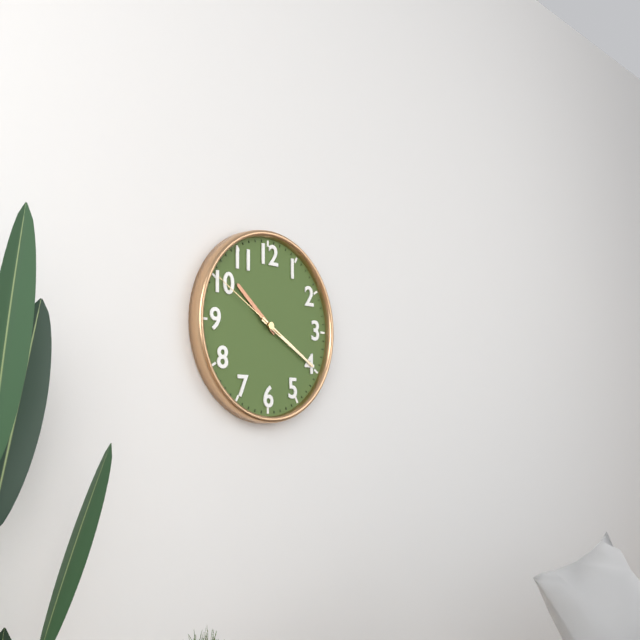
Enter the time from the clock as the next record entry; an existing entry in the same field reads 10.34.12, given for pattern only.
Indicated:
10.20.50
